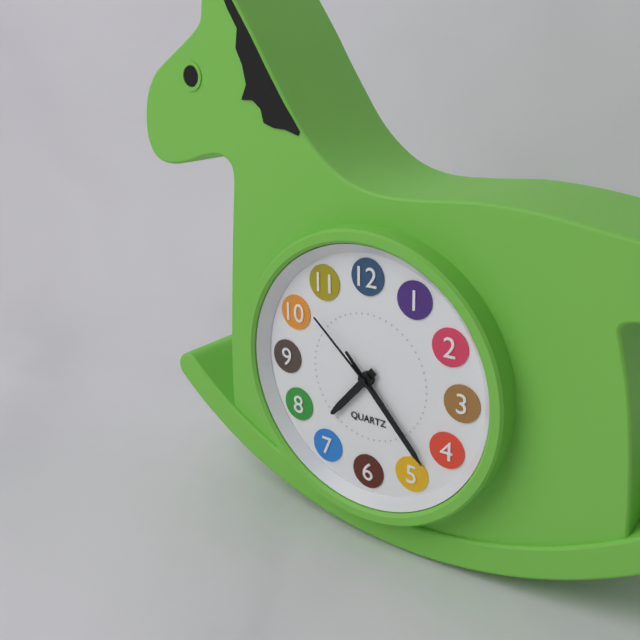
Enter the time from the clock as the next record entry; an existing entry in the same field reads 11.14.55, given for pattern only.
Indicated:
7.23.52
